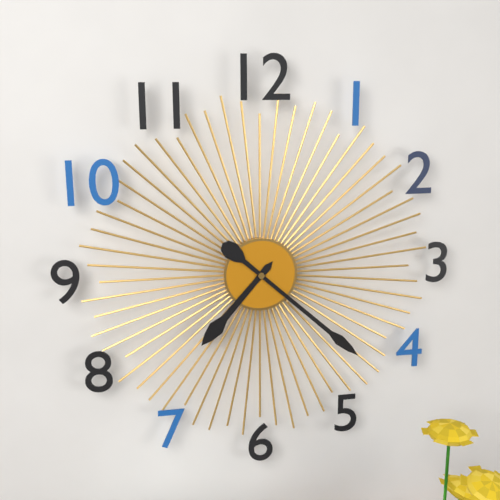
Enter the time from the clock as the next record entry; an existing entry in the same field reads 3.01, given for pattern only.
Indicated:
7.22
